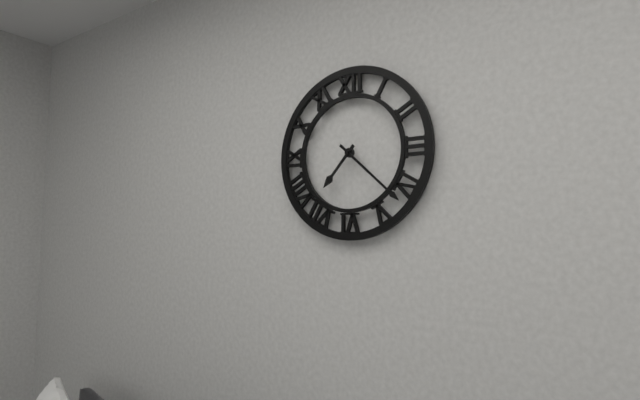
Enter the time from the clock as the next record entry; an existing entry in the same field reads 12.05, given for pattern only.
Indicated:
7.22
